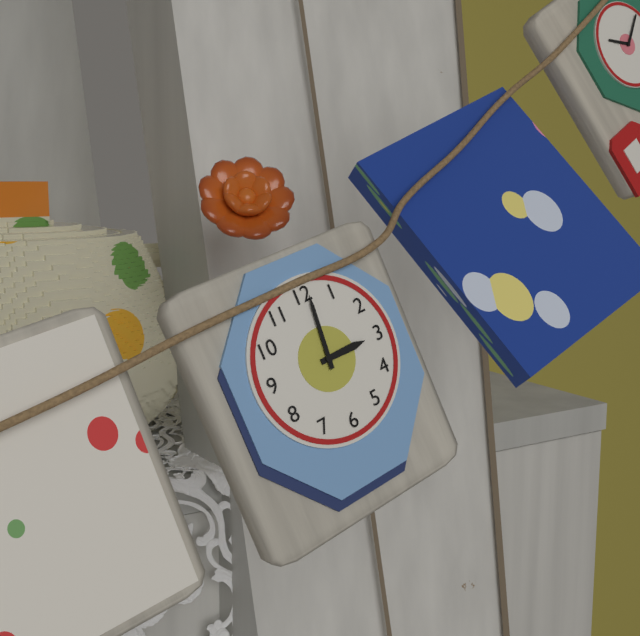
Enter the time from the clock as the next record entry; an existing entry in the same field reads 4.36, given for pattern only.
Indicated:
3.01
